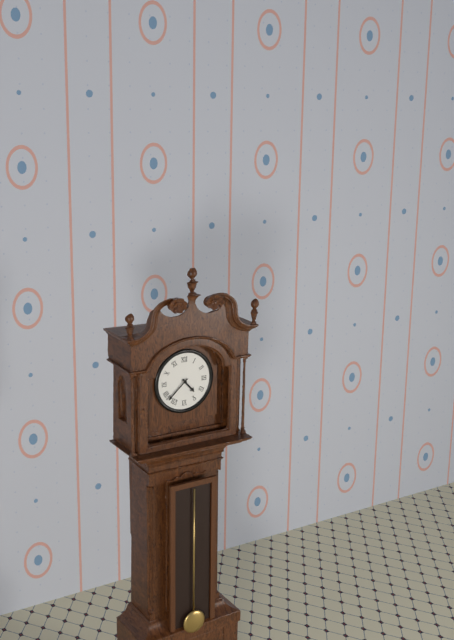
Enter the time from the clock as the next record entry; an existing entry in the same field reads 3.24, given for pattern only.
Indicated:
4.38
